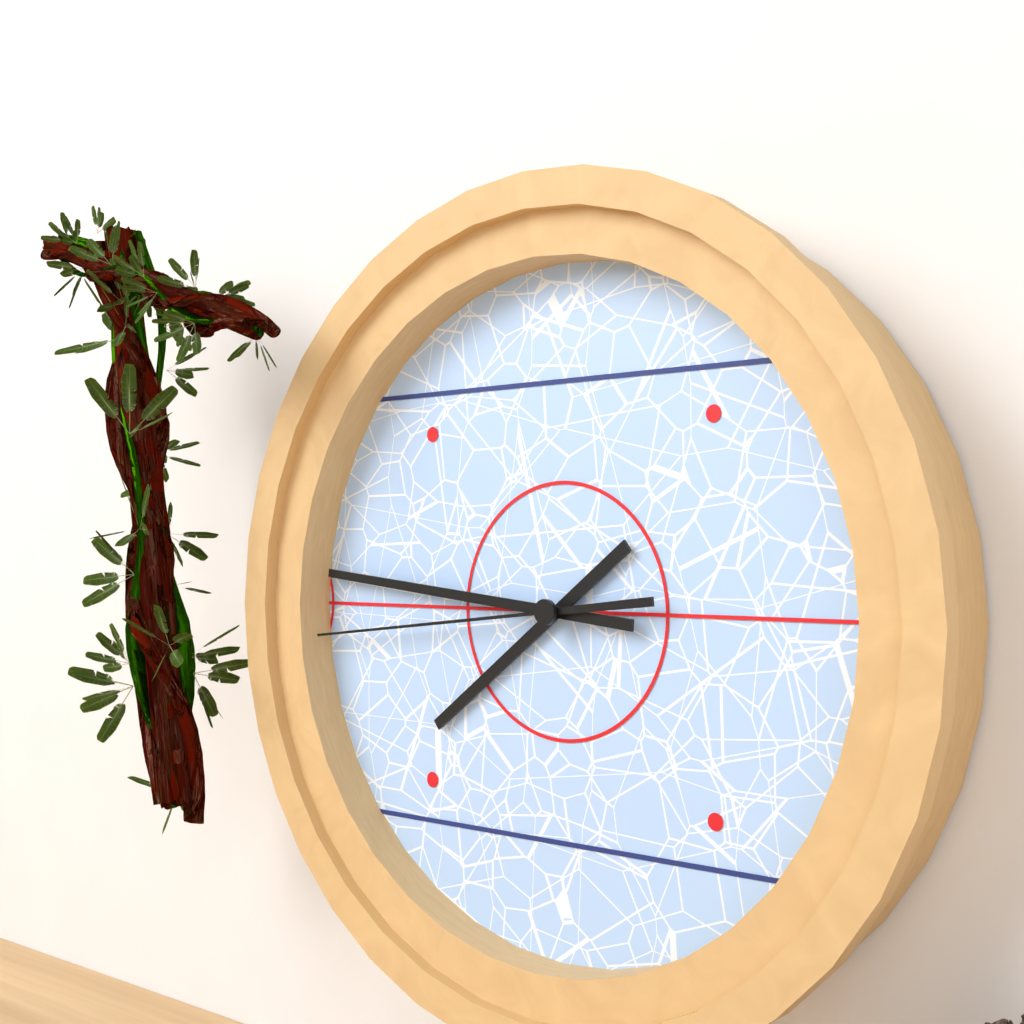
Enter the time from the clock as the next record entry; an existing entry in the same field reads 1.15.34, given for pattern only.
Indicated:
7.46.44
